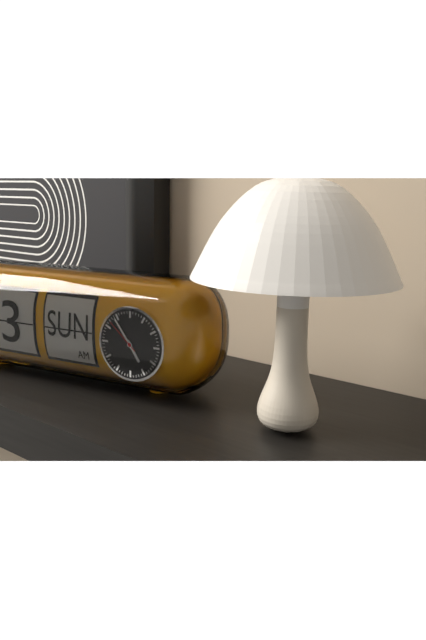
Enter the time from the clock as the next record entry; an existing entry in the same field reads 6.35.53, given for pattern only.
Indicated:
4.54.52
